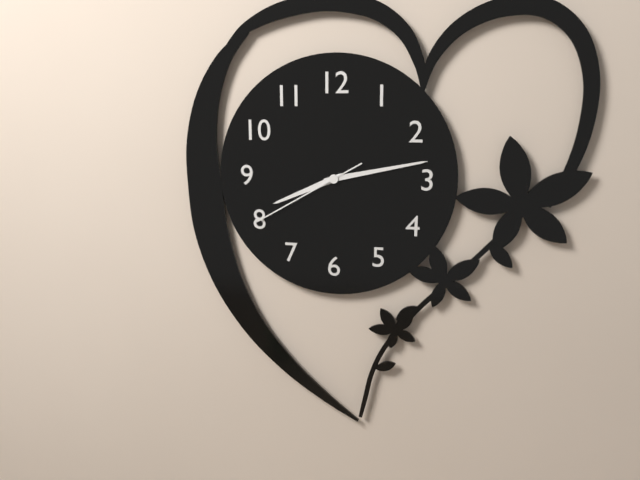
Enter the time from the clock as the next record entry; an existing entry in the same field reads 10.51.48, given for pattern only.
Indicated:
8.13.40
